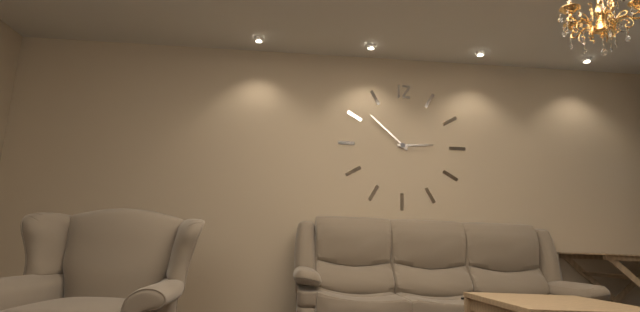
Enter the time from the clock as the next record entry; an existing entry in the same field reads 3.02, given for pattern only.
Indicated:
2.52
